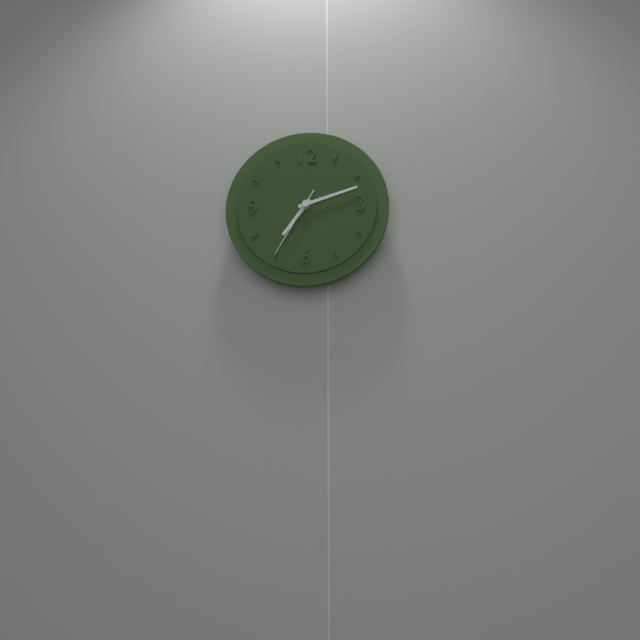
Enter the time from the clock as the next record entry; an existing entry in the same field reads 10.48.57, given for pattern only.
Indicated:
7.12.35
